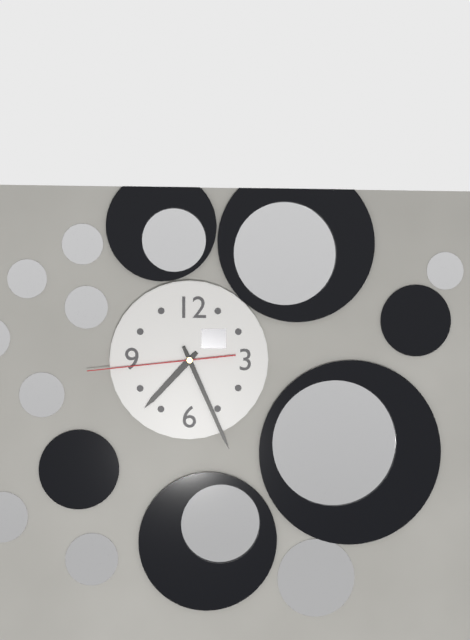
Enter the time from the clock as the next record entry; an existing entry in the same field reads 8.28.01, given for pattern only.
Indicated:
7.26.44
